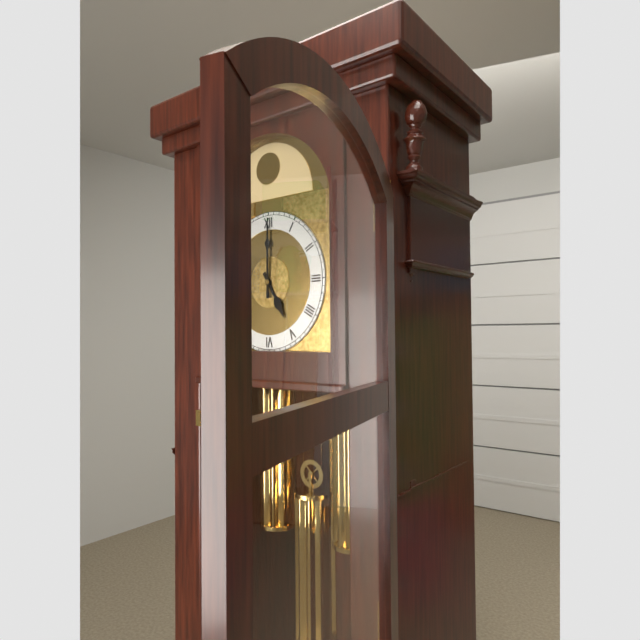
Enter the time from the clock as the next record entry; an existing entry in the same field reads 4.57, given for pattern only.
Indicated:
5.00
